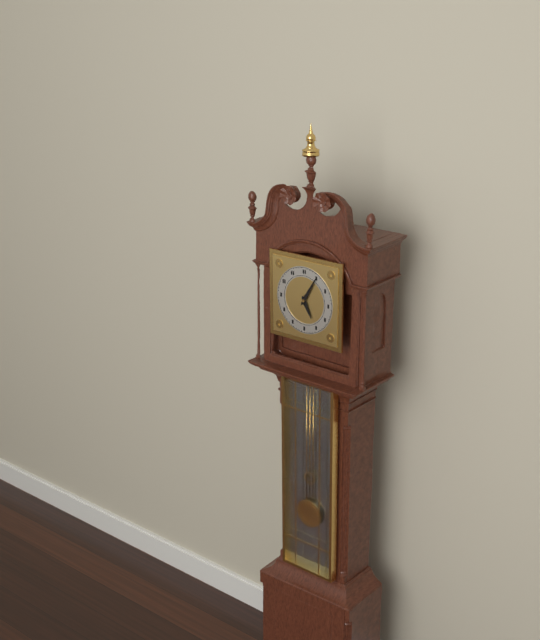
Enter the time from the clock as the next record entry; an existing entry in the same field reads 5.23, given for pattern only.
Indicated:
5.05
